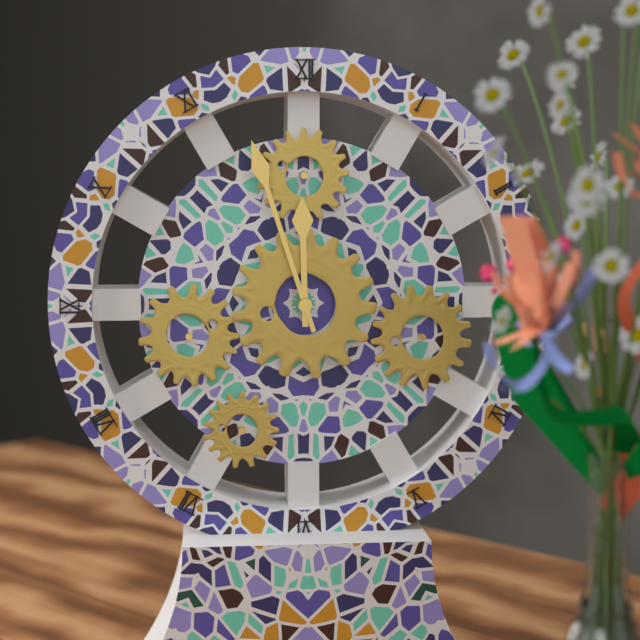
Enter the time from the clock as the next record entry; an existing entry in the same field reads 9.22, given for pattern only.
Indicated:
11.57
